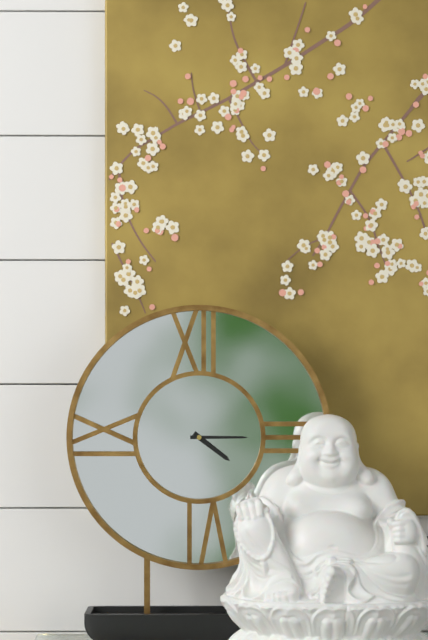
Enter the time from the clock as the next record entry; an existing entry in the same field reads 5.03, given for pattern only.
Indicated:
4.15
